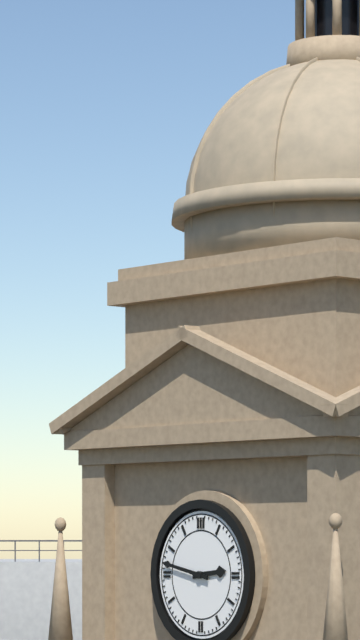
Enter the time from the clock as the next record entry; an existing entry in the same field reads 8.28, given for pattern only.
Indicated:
2.47
